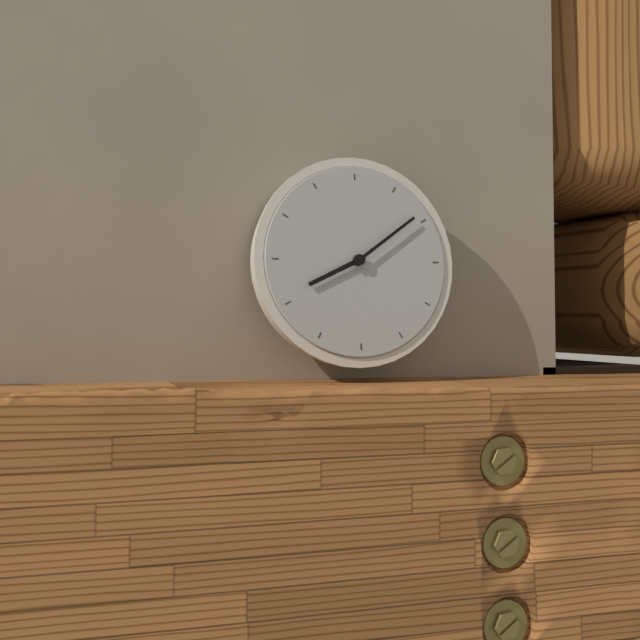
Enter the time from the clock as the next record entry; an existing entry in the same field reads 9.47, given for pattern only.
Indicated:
8.09
